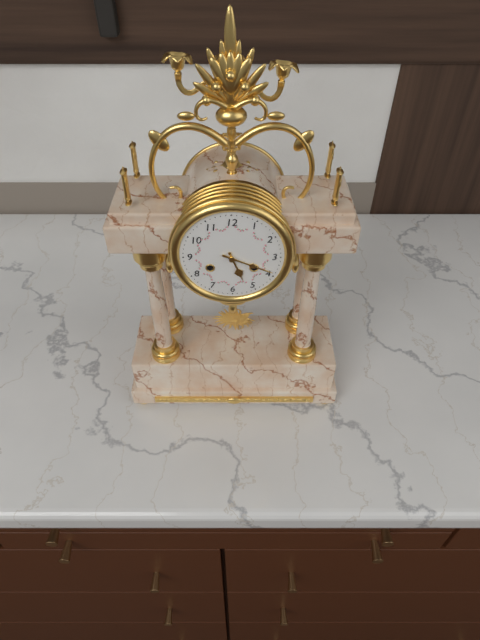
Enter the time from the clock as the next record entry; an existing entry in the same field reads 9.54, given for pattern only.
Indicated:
5.19
